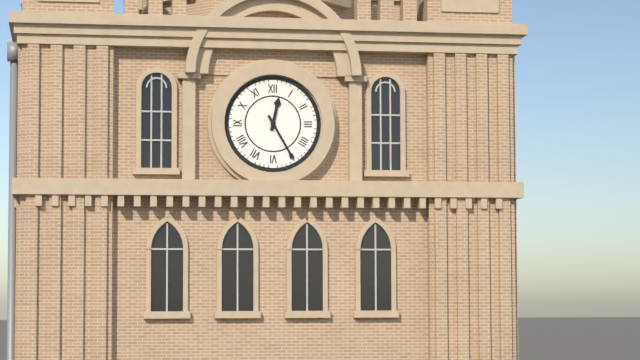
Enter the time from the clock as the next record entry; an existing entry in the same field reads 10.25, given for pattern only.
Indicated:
12.25
